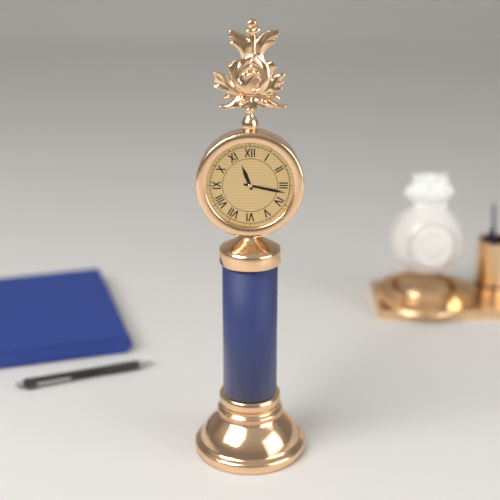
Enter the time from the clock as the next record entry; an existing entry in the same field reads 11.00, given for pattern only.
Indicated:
11.17
